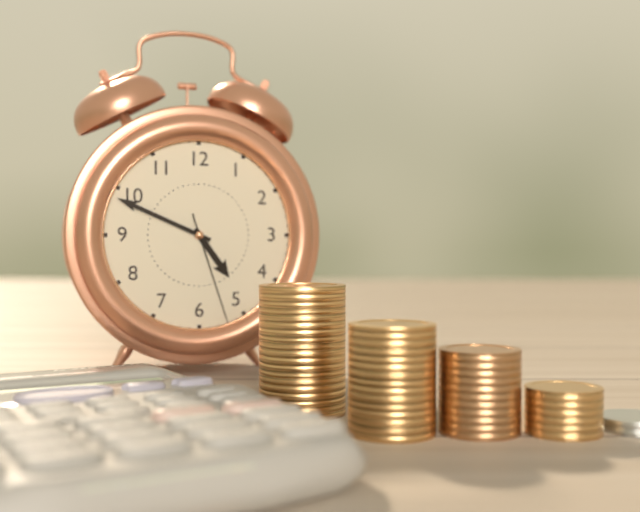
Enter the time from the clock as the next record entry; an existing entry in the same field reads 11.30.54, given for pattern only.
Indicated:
4.49.27
